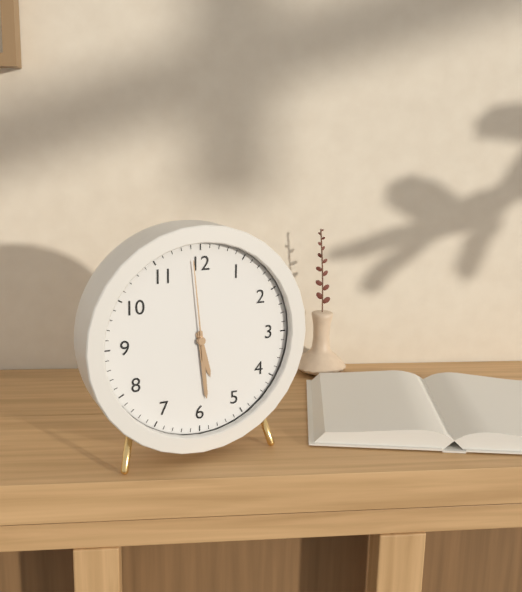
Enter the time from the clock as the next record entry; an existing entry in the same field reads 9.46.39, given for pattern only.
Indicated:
5.29.59
